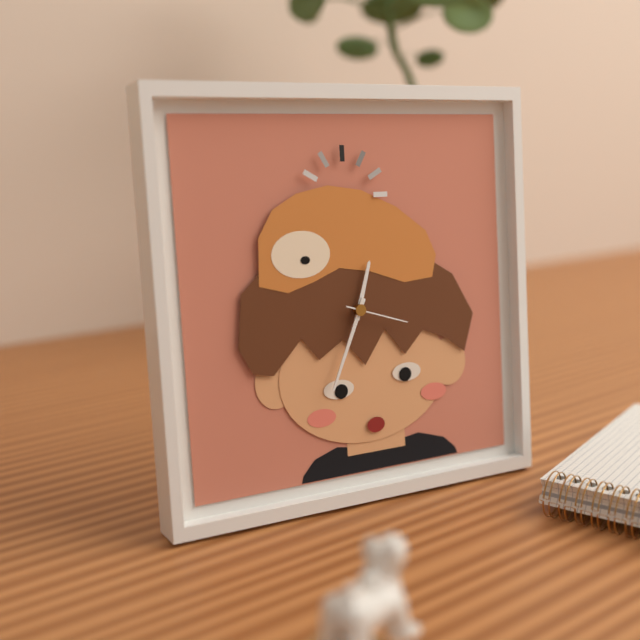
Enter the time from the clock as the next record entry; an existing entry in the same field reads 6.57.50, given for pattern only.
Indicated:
12.34.18
